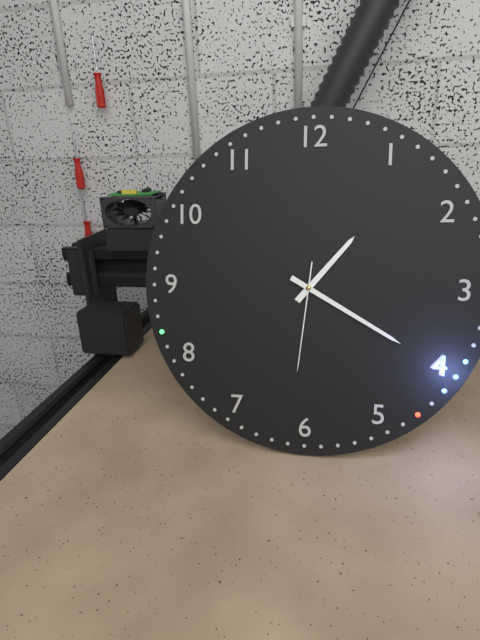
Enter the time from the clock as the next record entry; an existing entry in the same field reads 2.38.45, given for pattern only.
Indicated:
1.20.31
